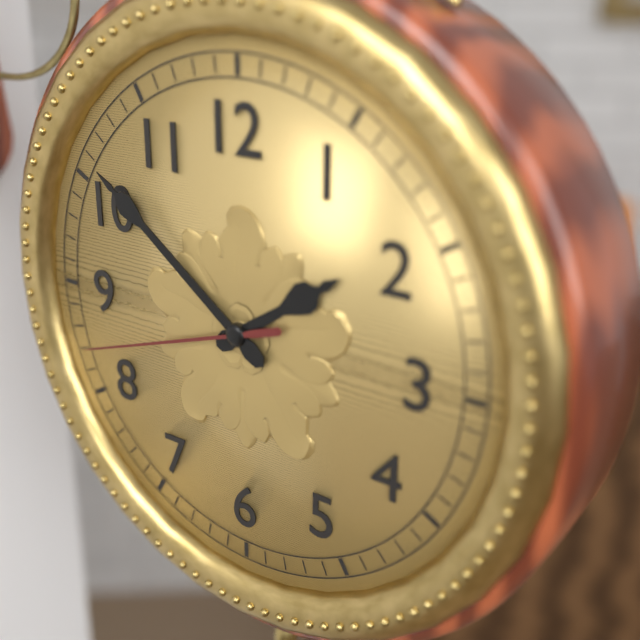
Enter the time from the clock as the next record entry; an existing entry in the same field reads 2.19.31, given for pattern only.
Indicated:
1.51.42
